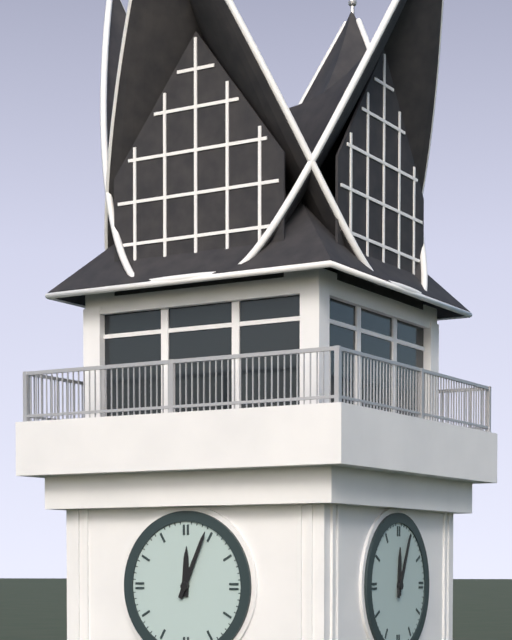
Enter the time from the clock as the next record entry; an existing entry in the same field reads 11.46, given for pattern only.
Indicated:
12.04
